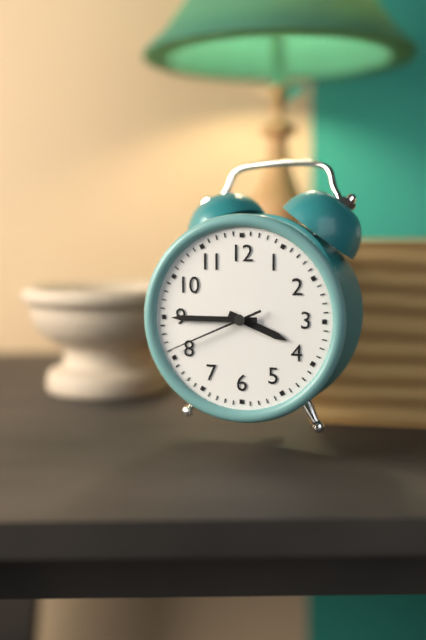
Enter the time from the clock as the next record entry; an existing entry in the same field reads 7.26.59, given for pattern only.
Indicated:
3.45.41
